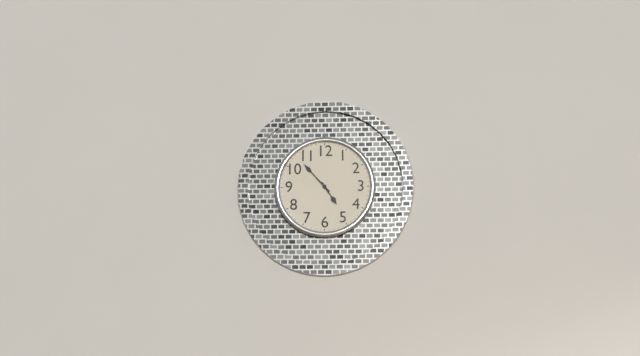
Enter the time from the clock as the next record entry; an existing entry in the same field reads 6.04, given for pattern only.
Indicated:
4.53
